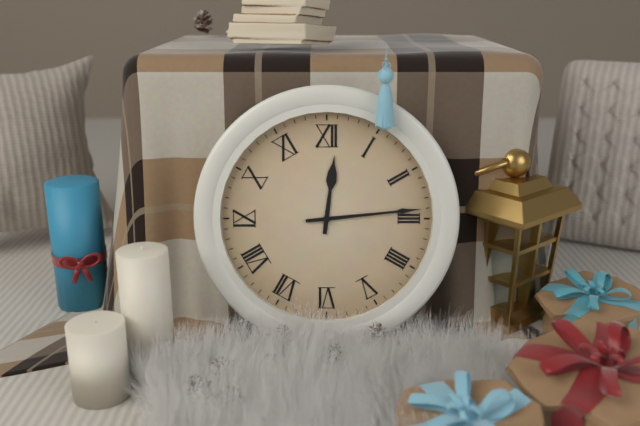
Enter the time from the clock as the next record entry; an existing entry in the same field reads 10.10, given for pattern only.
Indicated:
12.14
